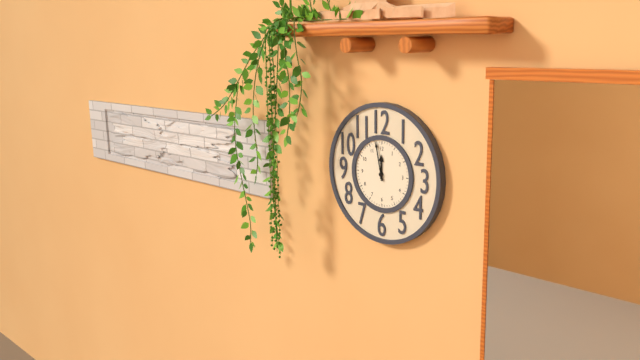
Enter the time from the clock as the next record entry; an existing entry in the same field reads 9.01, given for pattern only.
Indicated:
11.58
